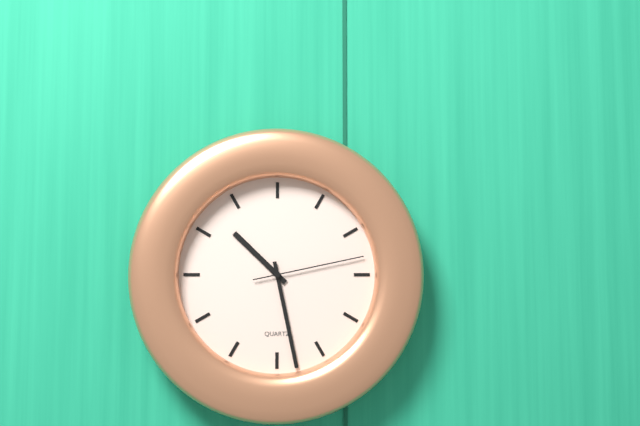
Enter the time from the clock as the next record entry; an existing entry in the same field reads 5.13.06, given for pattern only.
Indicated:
10.28.13
